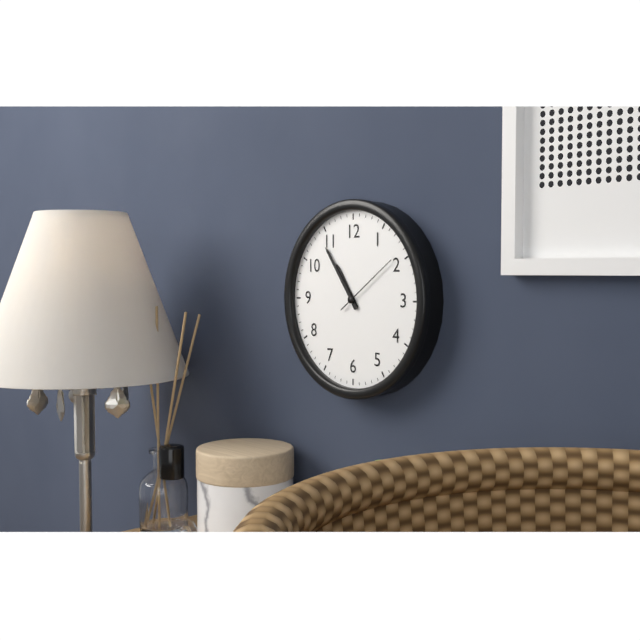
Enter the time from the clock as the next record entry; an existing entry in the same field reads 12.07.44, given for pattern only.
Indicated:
10.54.09
